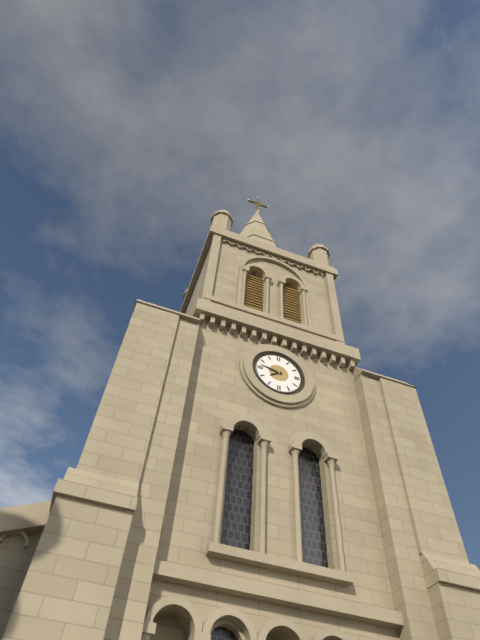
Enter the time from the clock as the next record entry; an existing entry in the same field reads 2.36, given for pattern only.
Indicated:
7.47
